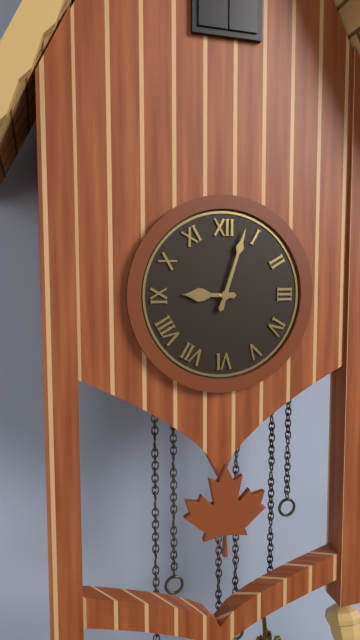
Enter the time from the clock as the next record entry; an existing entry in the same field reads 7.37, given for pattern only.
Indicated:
9.03
